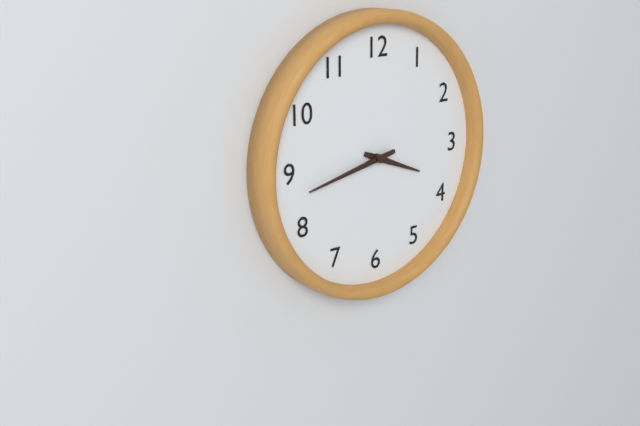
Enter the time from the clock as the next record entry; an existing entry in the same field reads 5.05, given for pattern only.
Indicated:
3.43
